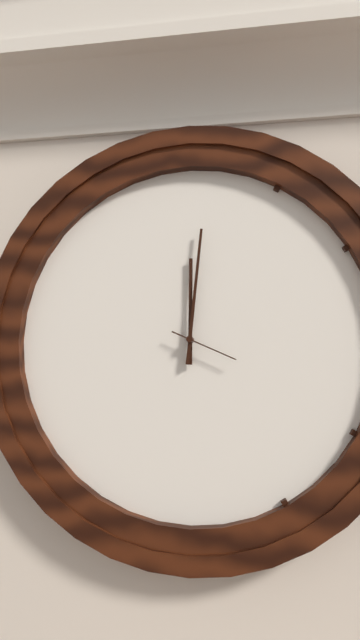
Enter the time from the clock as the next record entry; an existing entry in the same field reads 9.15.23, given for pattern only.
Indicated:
12.01.19
